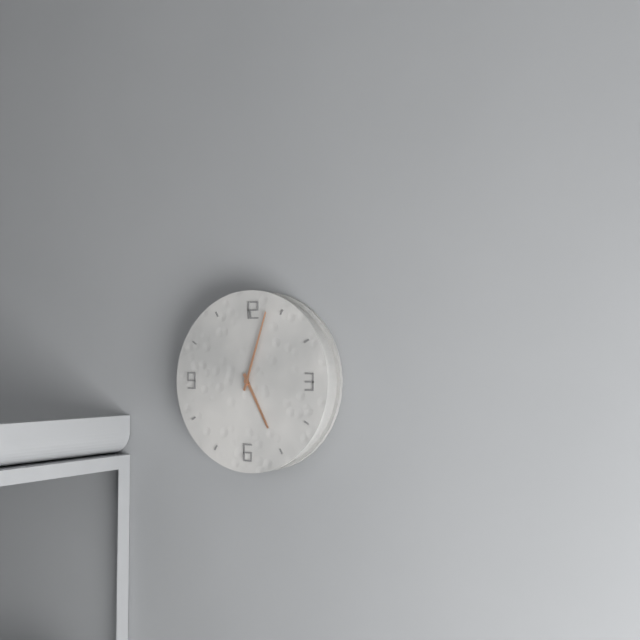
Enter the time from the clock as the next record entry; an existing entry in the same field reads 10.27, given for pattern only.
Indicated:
5.03
